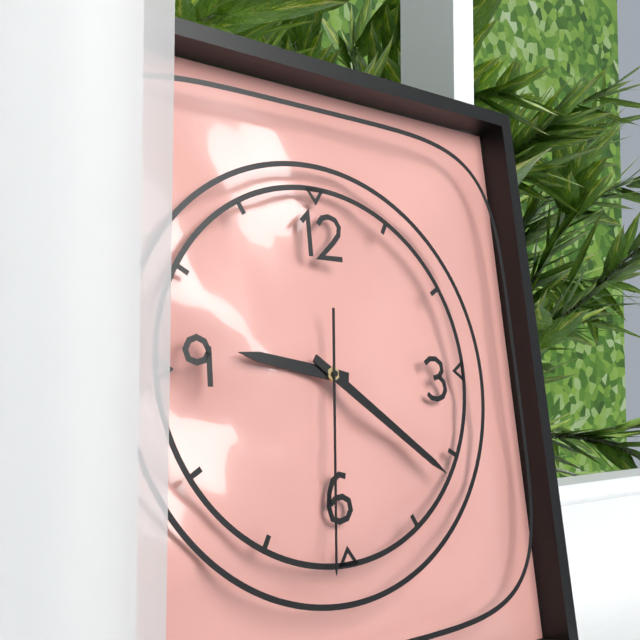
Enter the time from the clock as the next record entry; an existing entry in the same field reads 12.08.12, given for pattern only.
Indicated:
9.21.31
